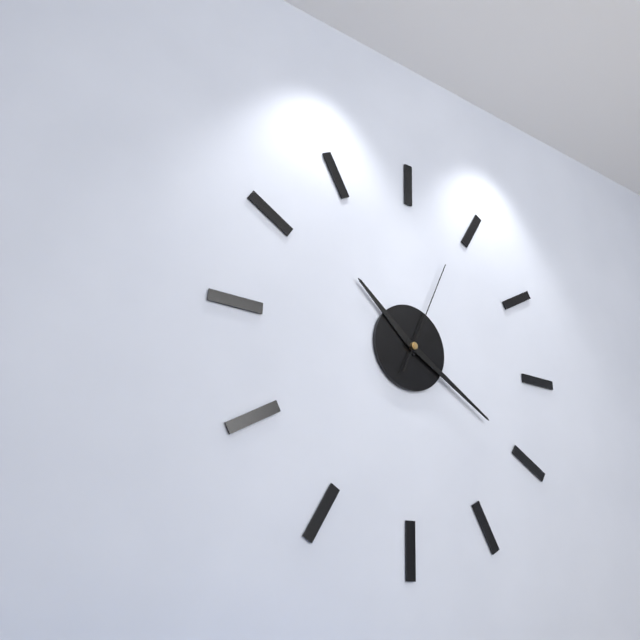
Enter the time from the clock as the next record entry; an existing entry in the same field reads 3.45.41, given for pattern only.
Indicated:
10.20.04
